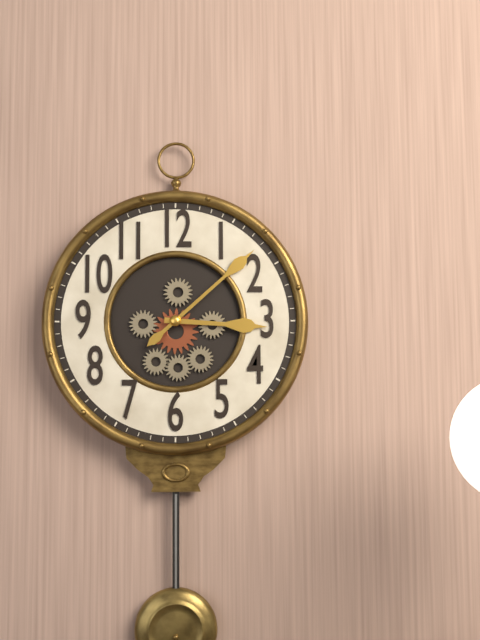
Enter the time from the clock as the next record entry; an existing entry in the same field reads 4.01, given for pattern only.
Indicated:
3.08
